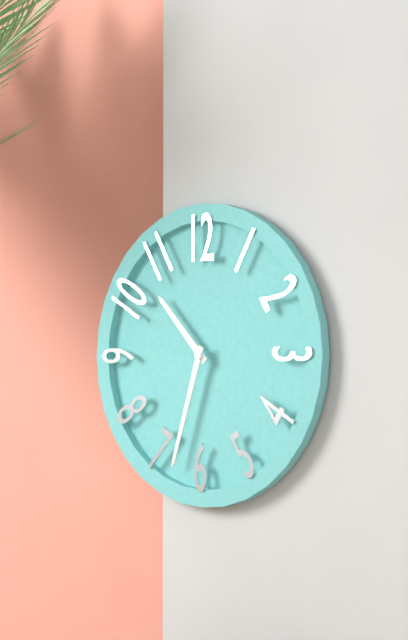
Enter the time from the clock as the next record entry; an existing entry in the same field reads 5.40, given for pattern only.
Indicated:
10.33
